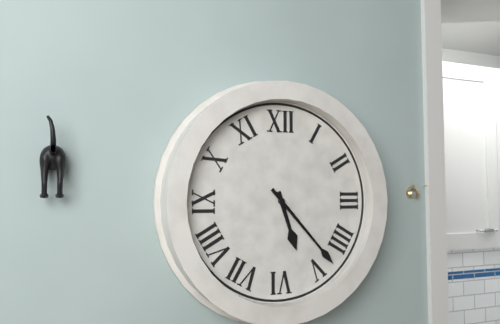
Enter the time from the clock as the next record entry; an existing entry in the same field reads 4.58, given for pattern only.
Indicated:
5.23
